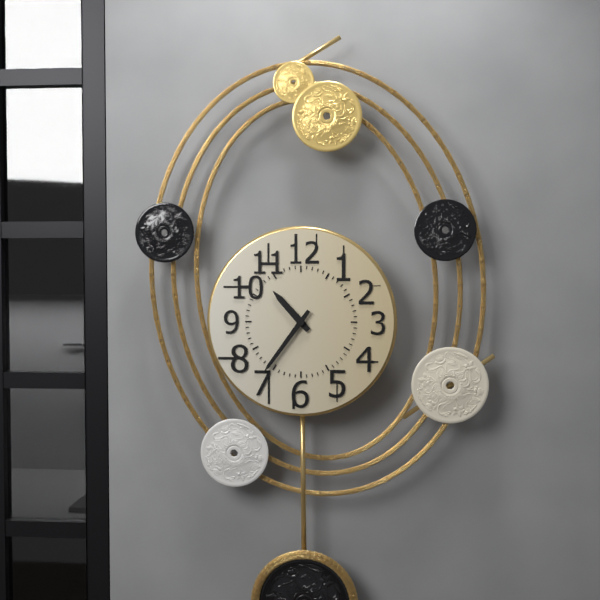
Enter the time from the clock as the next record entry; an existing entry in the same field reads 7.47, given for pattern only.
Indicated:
10.36
